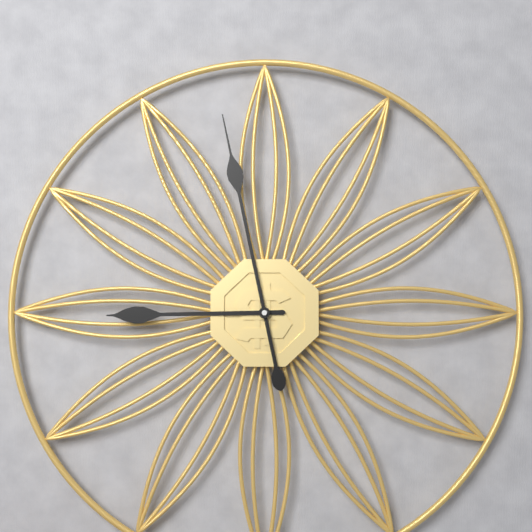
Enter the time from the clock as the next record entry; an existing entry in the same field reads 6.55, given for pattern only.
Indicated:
8.58
